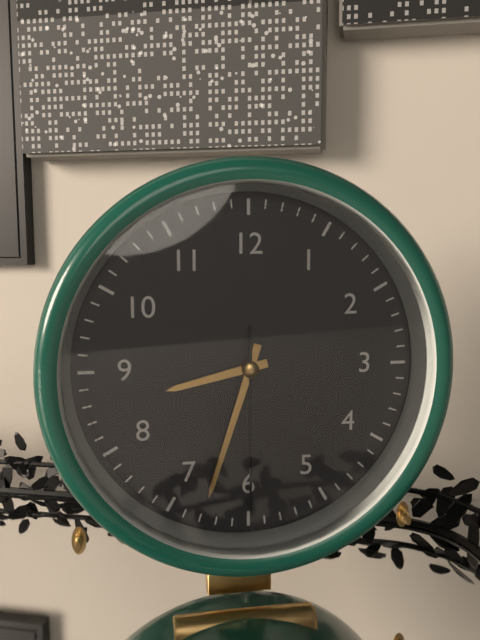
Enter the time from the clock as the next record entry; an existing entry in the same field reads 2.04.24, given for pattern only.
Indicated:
8.33.30
